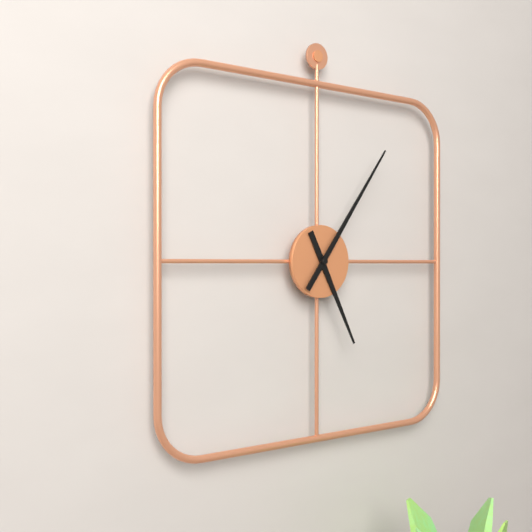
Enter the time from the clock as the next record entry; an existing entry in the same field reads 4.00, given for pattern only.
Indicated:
5.06
